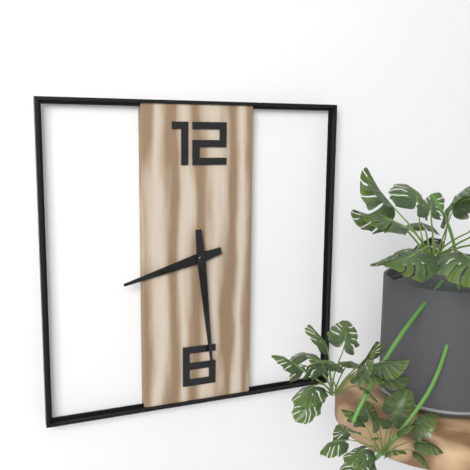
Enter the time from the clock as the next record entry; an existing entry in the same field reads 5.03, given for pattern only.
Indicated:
8.29
